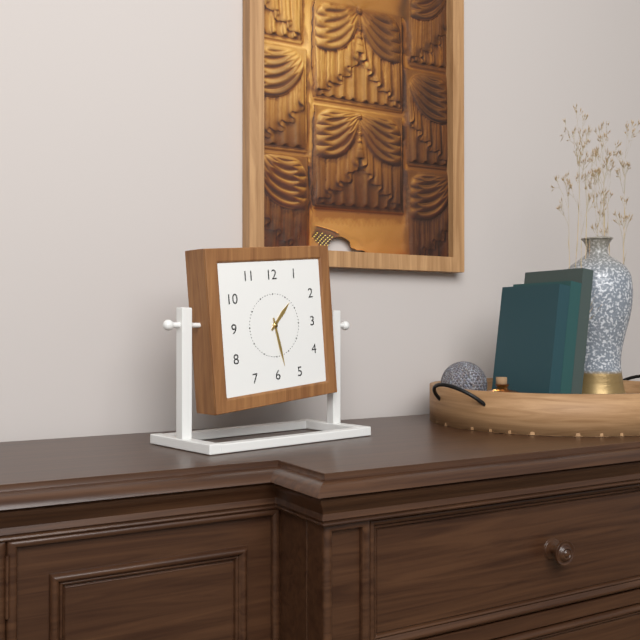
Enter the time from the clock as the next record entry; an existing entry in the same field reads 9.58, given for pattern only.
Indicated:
1.28
